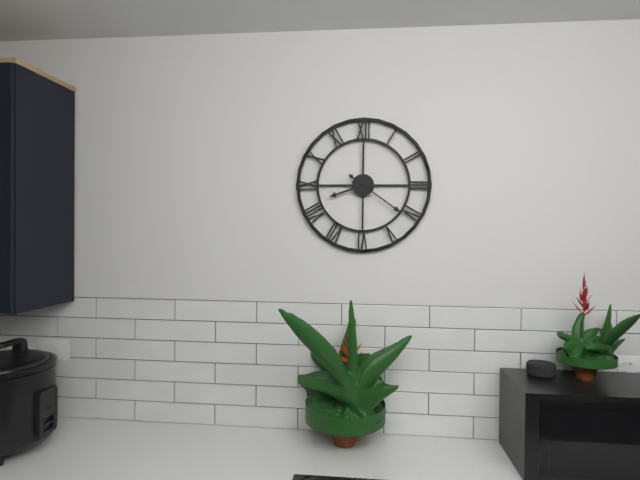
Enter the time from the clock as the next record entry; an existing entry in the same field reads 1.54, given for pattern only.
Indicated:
8.21
